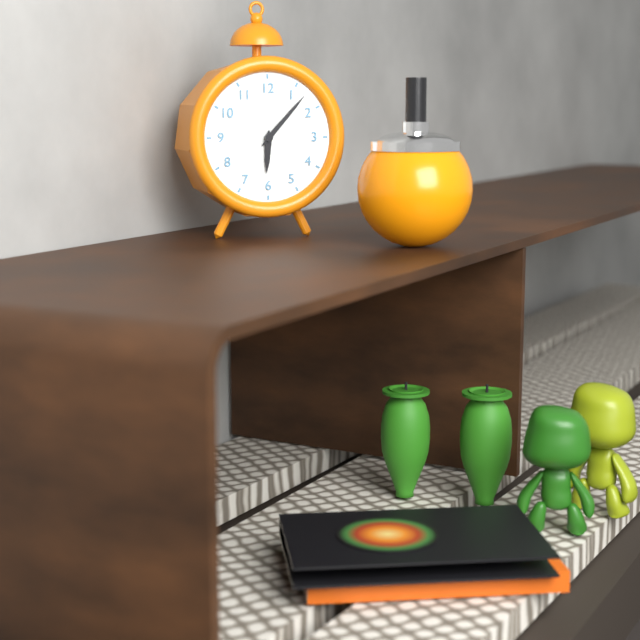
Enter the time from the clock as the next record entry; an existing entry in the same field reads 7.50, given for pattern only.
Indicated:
6.07
